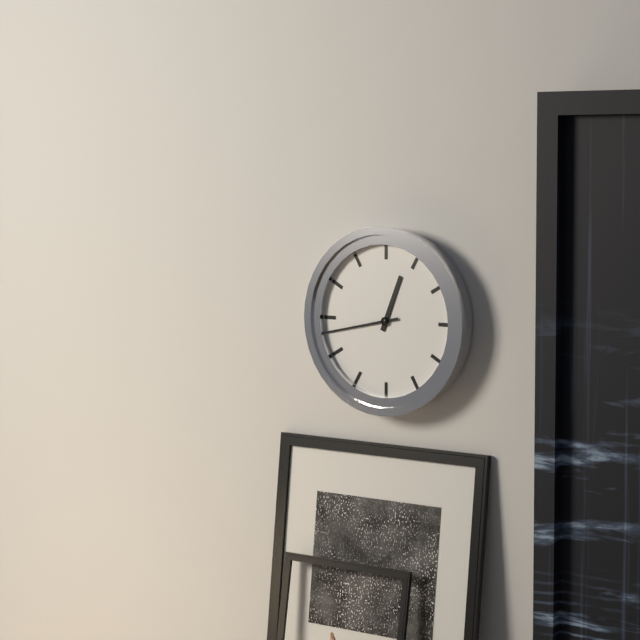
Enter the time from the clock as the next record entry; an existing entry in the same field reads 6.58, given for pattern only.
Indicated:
12.43
